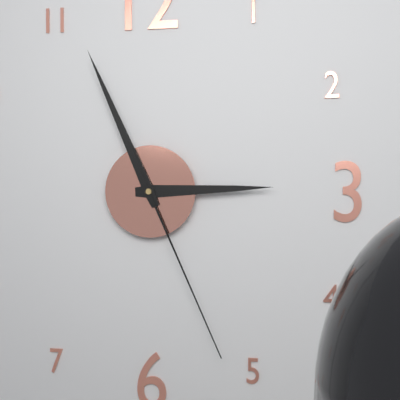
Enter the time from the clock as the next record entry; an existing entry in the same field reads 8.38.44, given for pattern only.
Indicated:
2.56.26
